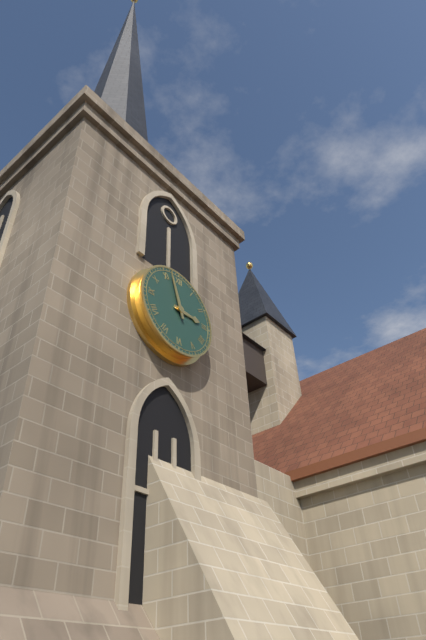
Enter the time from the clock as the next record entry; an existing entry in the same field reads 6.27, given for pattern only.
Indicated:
2.57
